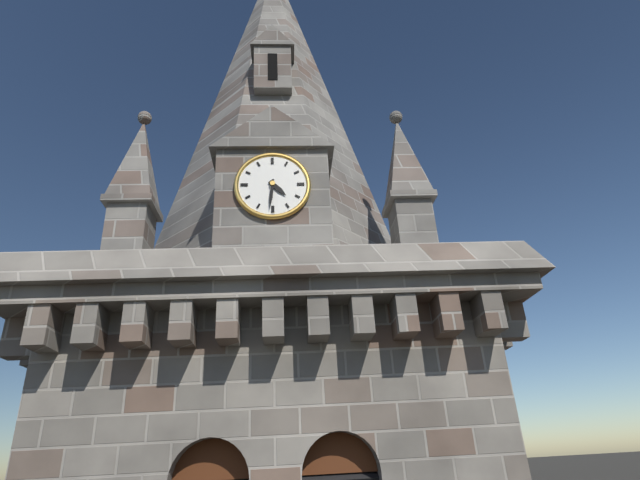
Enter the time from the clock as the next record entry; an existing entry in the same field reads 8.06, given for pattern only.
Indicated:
4.31
